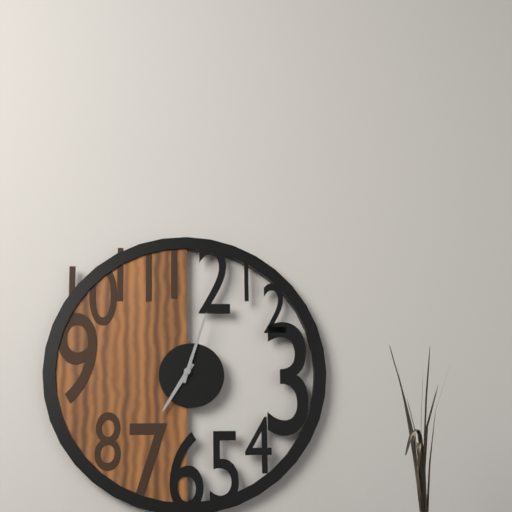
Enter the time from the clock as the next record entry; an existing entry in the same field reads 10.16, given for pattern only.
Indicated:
7.03
